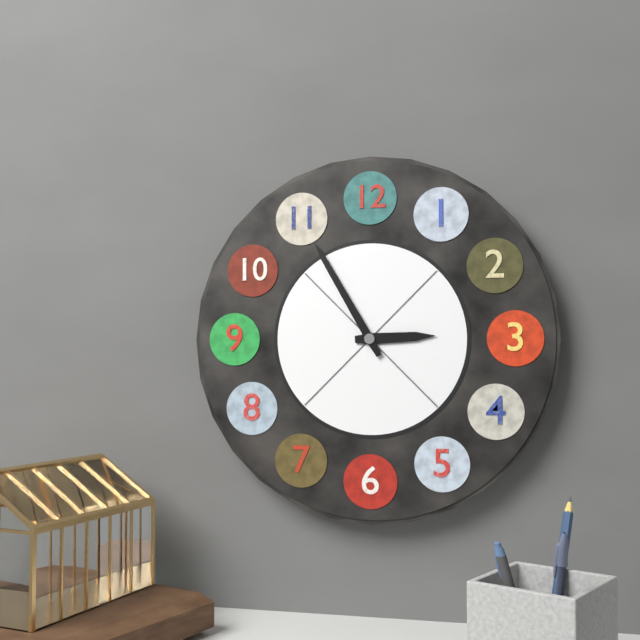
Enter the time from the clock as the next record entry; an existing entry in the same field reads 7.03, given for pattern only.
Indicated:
2.55
